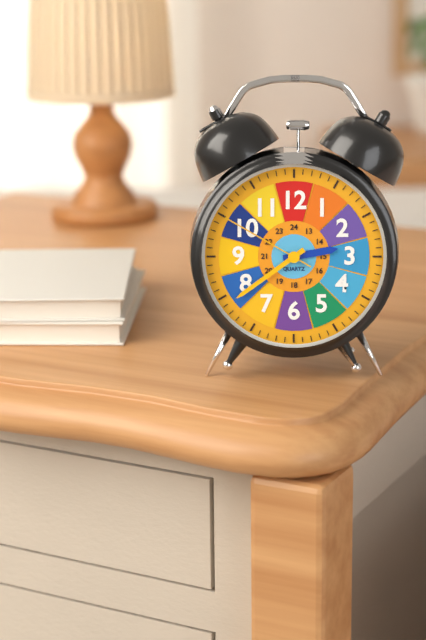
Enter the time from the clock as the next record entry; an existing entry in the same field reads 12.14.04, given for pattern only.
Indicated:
2.39.50
